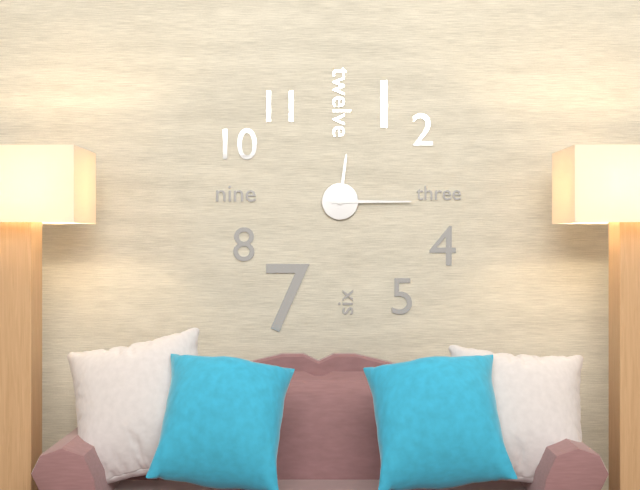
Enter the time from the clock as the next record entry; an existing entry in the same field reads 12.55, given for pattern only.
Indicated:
12.15
